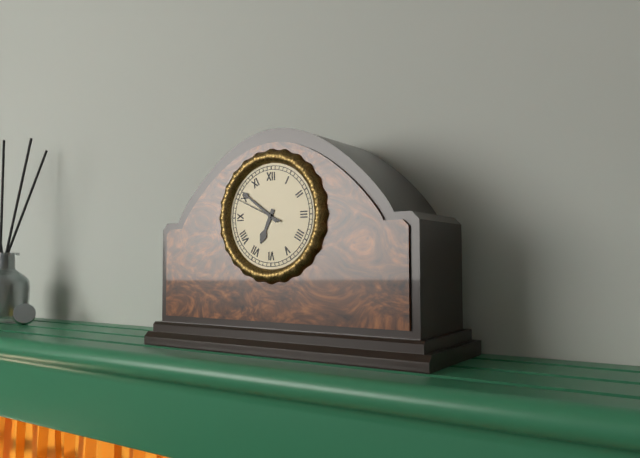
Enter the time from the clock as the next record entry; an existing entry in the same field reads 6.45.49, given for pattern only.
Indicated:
6.51.49
